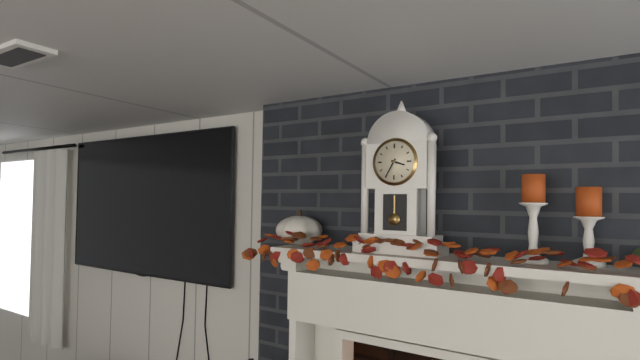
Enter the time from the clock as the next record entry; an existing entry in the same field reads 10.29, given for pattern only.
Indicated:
3.35
